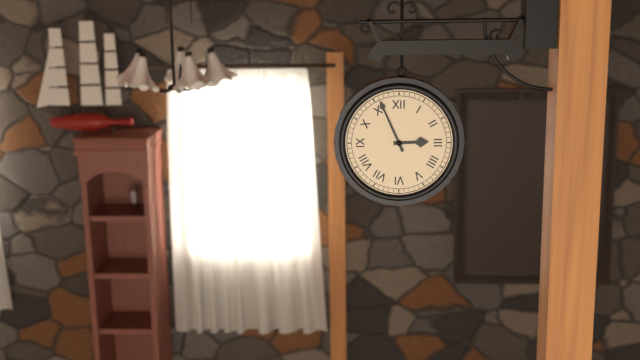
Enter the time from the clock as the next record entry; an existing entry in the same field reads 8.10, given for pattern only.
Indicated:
2.56
